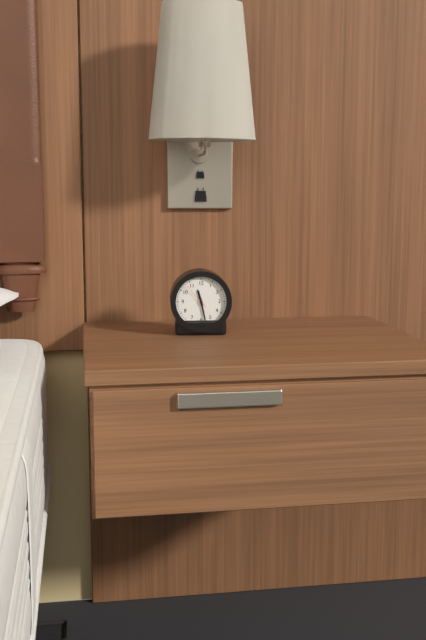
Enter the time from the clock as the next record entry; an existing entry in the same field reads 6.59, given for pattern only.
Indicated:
11.28
